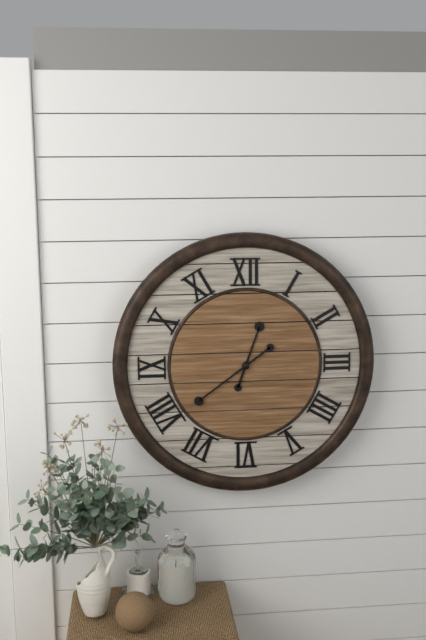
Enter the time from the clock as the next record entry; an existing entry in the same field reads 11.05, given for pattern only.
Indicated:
12.39
